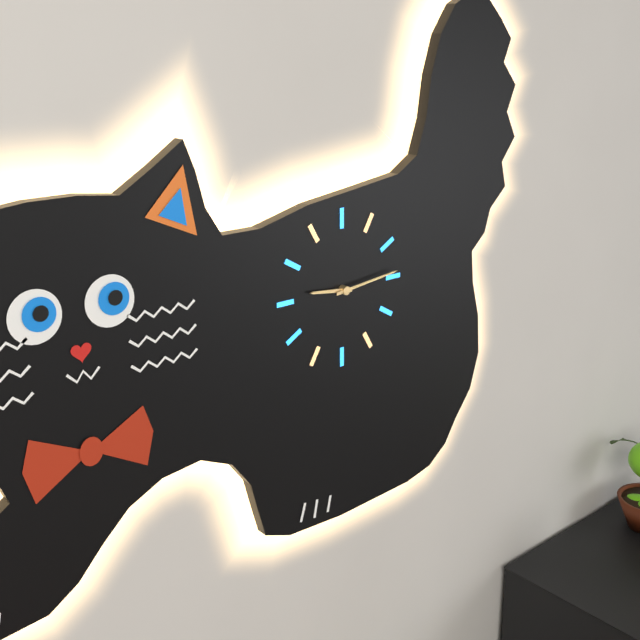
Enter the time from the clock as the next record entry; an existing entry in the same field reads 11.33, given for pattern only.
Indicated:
9.14
